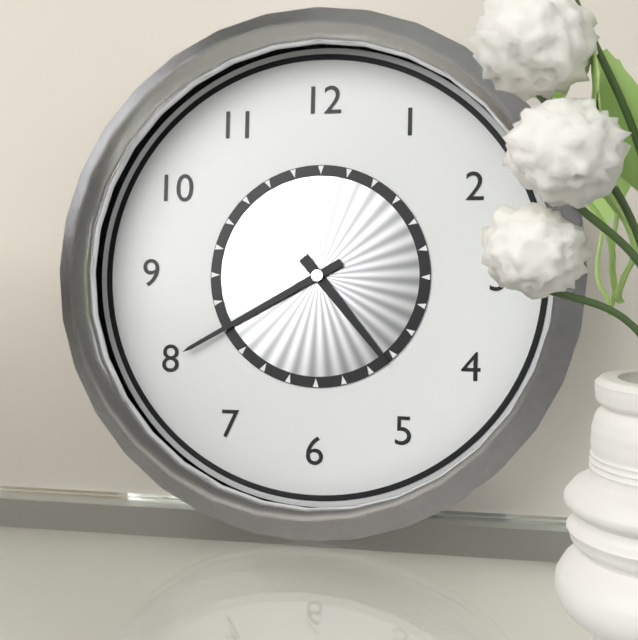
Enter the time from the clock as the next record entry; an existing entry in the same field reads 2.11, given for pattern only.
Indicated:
4.40
